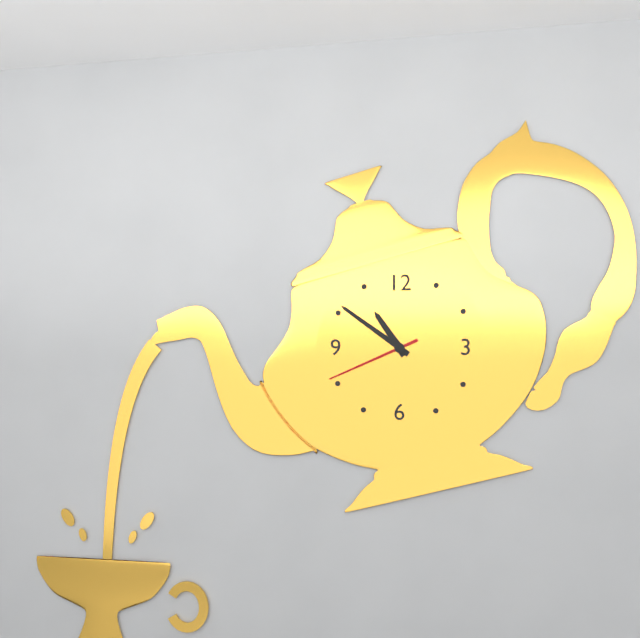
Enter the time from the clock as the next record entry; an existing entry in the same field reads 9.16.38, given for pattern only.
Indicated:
10.51.41
